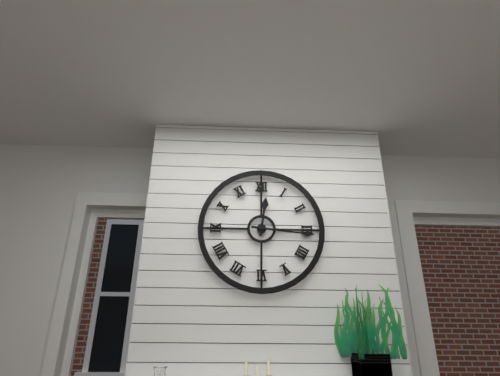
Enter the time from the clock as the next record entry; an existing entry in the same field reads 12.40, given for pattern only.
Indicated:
12.16
